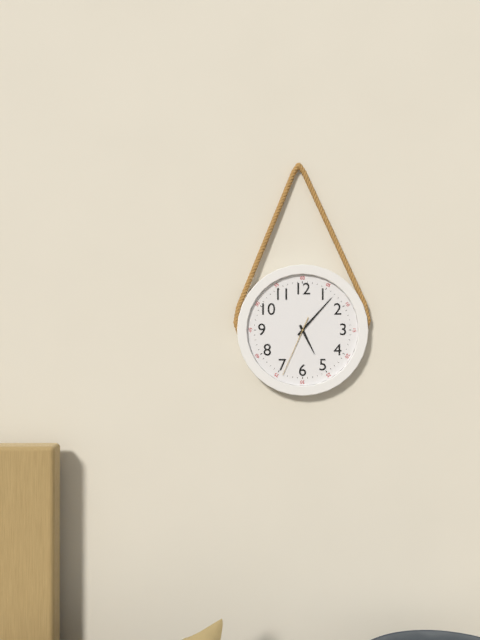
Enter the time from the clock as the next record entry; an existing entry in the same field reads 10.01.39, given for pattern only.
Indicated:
5.07.34
